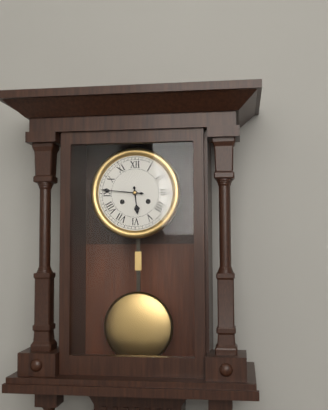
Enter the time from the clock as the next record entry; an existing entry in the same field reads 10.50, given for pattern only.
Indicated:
5.46
